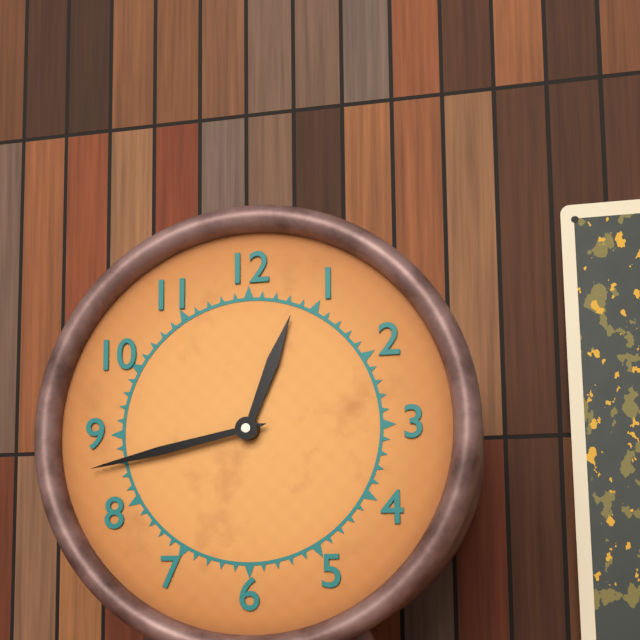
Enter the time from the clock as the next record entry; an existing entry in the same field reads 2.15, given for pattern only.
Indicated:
12.43
